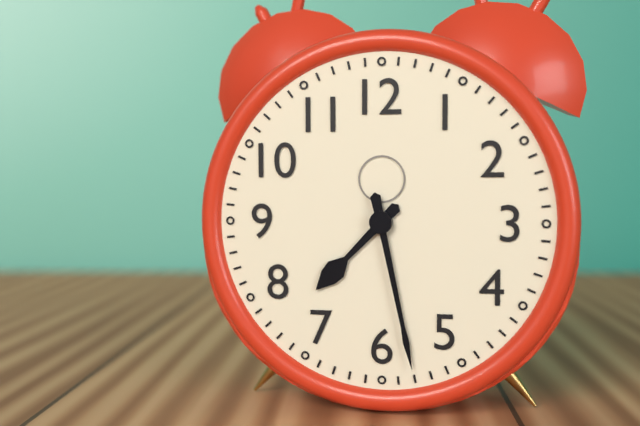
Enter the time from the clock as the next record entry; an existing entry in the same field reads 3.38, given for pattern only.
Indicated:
7.28
